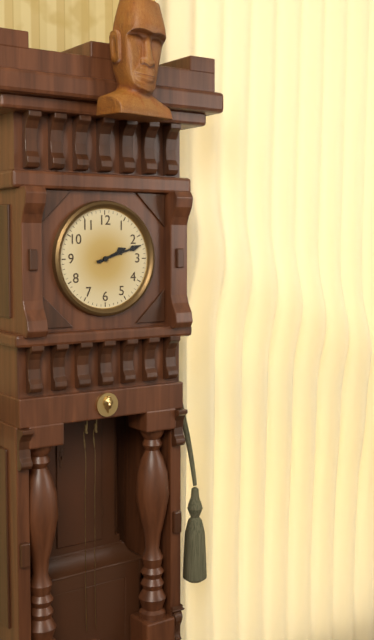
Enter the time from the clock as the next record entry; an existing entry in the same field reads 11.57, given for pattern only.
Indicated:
2.12
